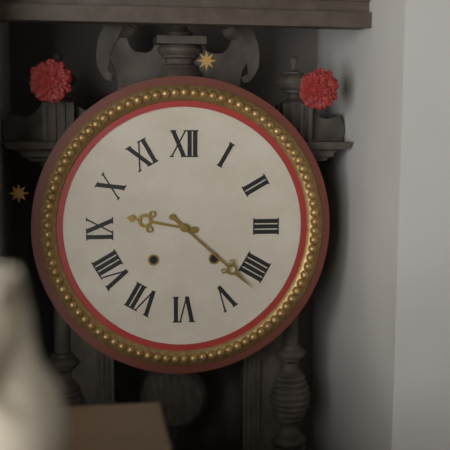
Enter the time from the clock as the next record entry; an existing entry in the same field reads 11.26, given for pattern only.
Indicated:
9.22
